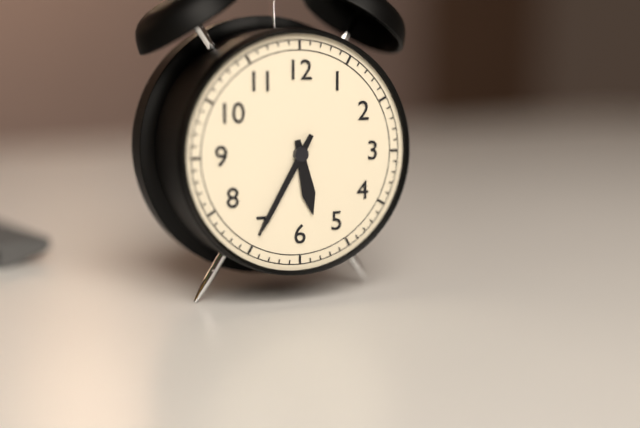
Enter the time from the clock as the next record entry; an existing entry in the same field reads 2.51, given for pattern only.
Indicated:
5.35
